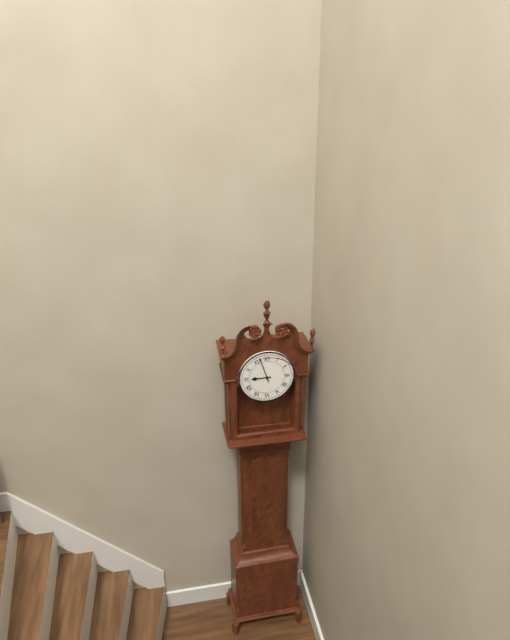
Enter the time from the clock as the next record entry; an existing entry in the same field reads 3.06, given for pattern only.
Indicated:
8.57
